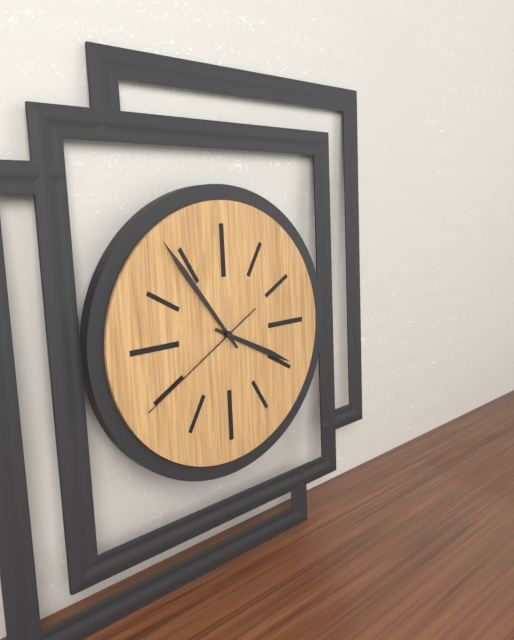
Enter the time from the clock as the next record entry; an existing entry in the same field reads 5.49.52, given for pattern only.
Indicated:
3.54.40
